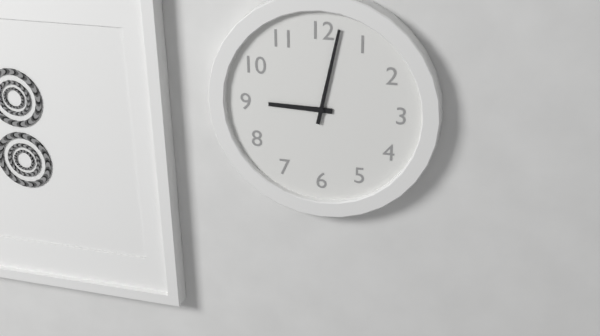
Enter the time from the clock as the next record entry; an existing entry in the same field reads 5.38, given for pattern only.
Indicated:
9.02
